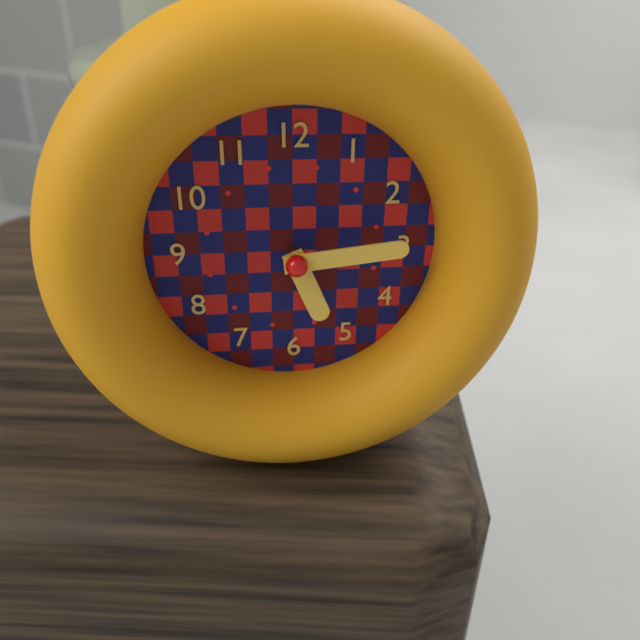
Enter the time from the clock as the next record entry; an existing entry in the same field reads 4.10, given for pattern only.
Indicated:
5.14
